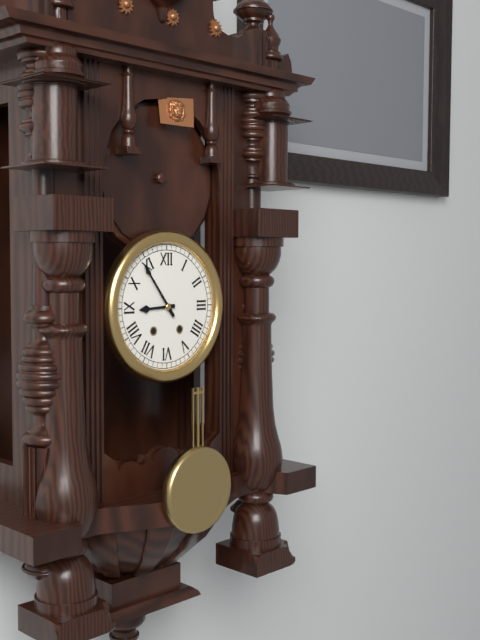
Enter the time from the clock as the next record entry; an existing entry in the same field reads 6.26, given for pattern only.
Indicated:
8.54
